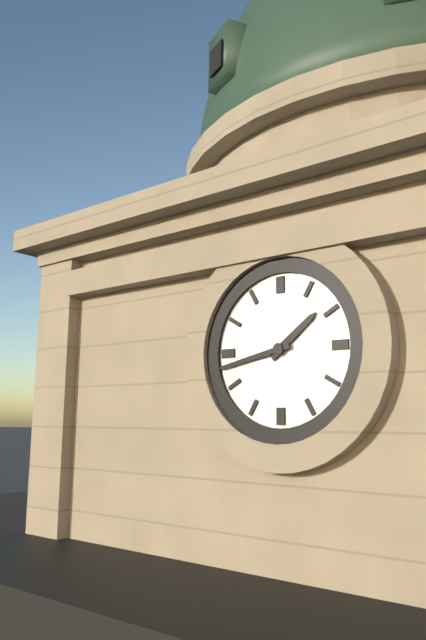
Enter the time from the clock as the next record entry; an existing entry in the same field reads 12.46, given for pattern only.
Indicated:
1.43
